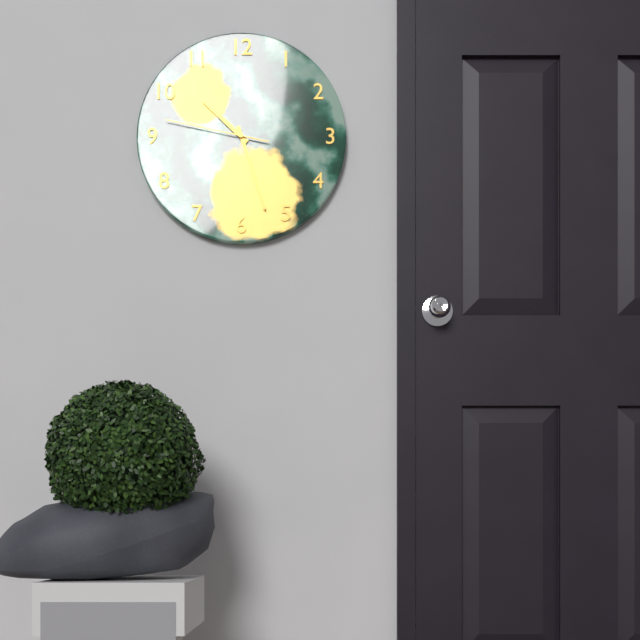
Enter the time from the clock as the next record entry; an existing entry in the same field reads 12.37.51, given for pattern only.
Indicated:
10.27.47
